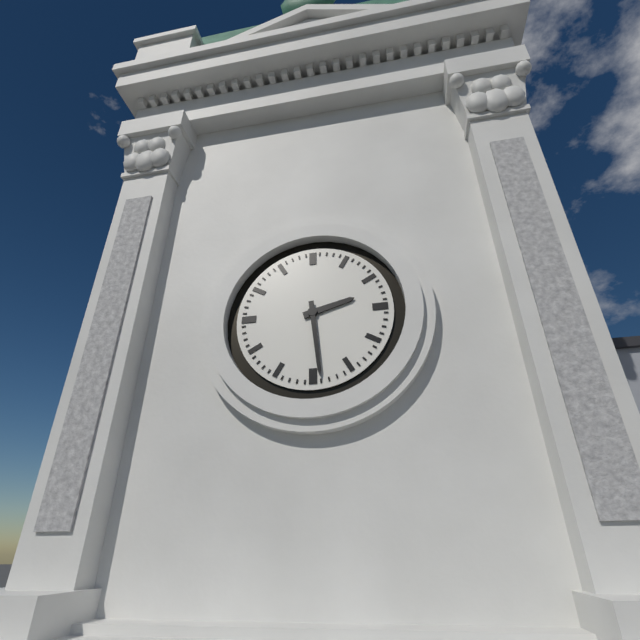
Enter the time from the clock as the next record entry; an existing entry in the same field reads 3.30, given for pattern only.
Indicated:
2.29
